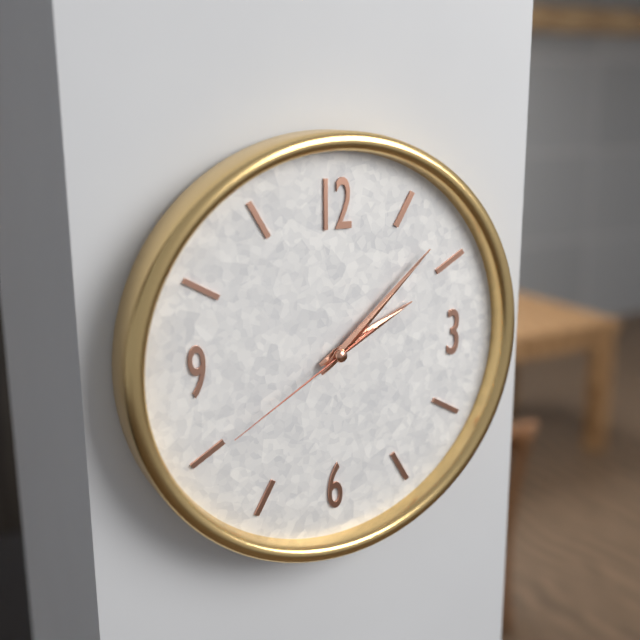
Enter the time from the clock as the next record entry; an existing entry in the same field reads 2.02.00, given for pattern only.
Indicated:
2.08.40
